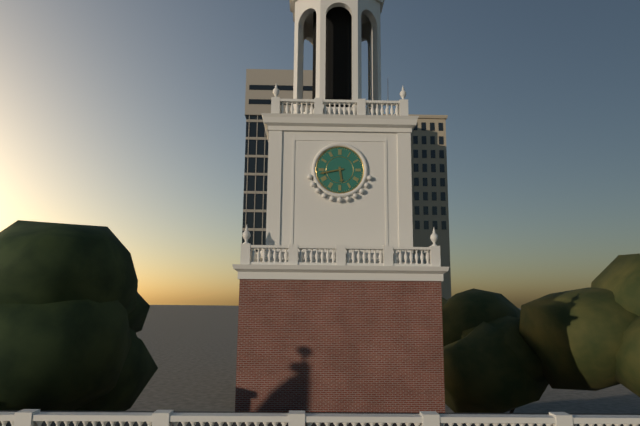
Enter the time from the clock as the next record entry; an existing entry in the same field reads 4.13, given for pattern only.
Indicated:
5.43
